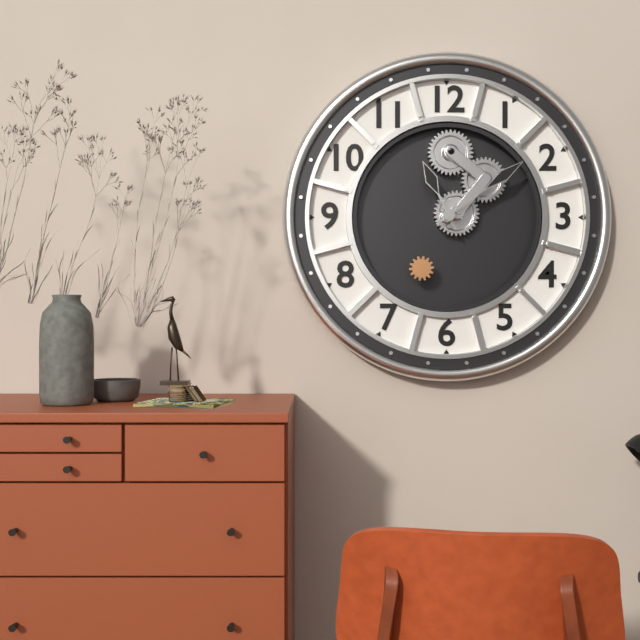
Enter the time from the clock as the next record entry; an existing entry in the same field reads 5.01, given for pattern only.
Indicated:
11.09
